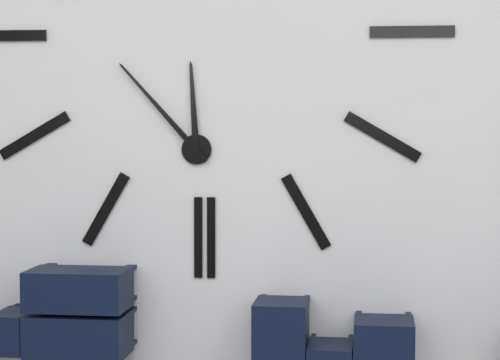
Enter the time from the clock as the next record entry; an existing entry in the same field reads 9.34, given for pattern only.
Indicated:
11.53
